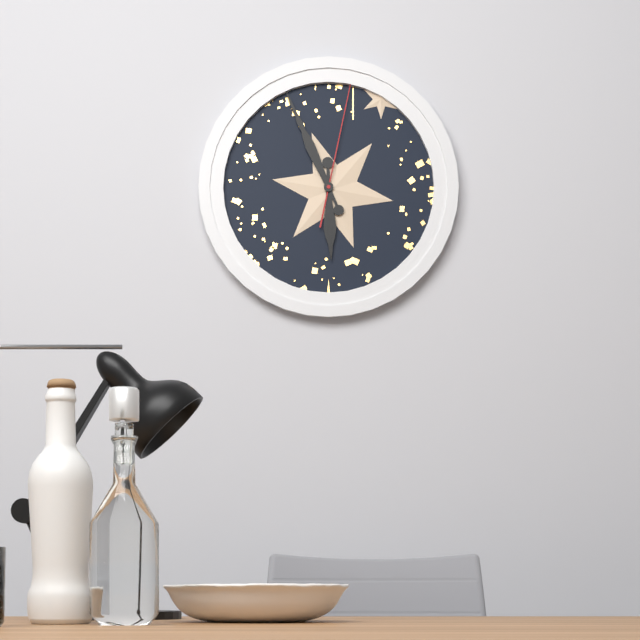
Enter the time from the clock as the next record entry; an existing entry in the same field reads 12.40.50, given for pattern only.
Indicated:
5.56.02
